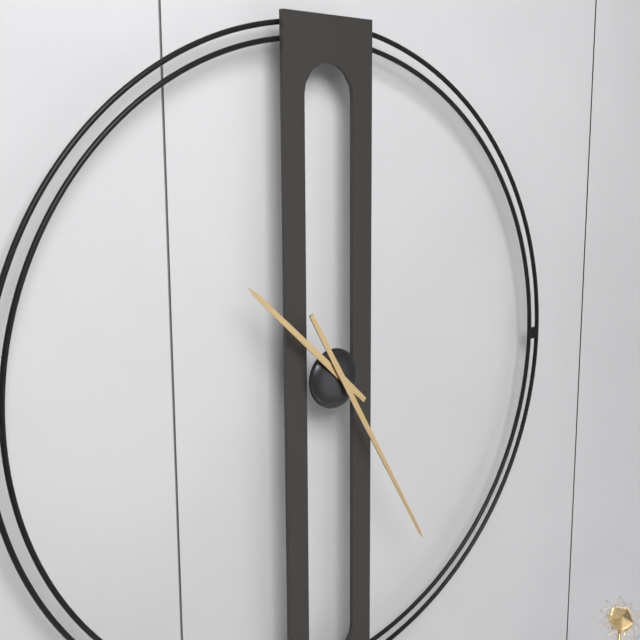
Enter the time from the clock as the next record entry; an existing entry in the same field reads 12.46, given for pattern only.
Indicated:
10.25
